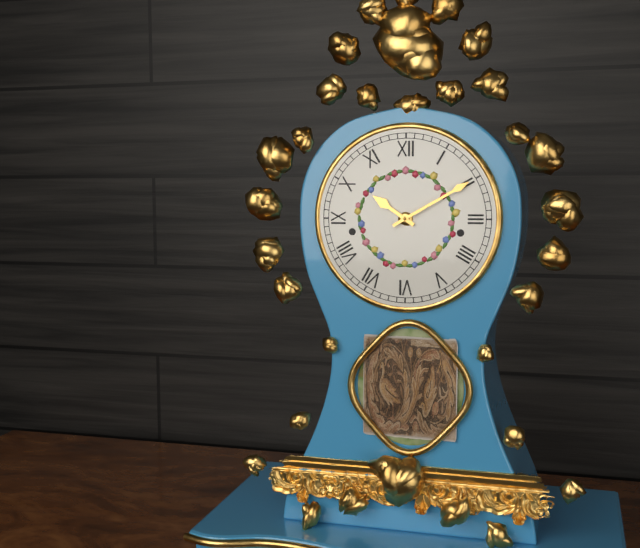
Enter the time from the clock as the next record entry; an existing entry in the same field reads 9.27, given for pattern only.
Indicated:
10.10
